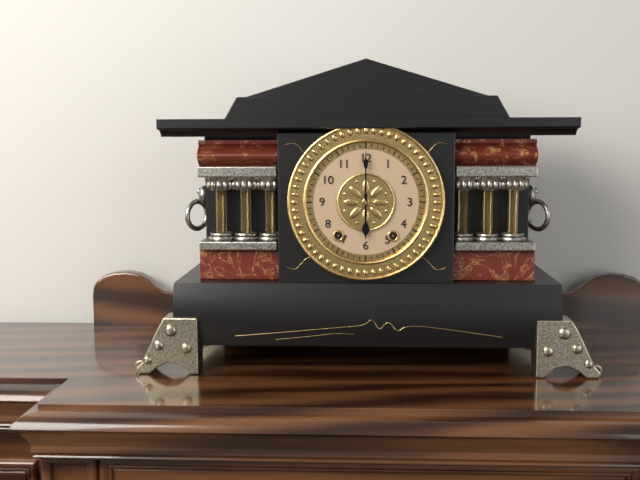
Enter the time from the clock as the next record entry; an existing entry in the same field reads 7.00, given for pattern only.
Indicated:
6.00
